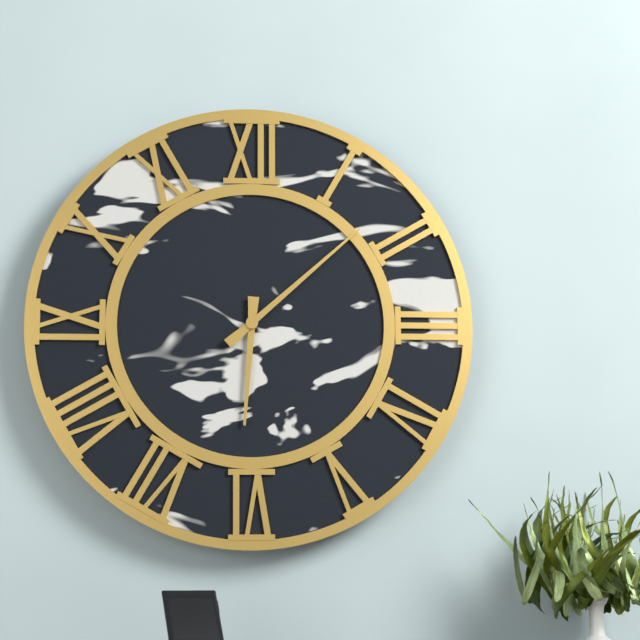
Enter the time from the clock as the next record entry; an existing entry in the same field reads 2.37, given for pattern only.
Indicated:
6.08
